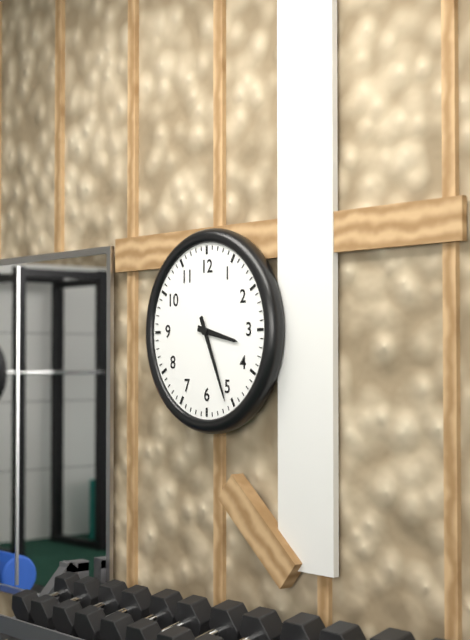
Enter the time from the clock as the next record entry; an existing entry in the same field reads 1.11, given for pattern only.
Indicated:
3.26
